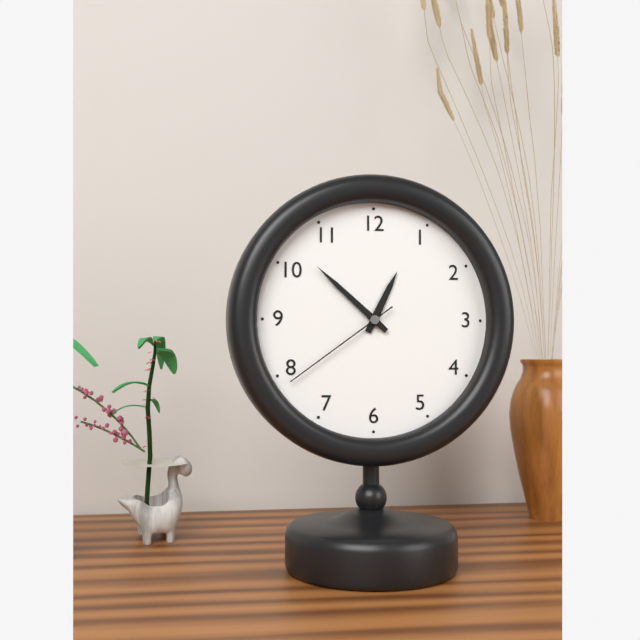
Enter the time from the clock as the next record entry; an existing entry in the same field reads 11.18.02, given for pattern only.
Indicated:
12.52.39
